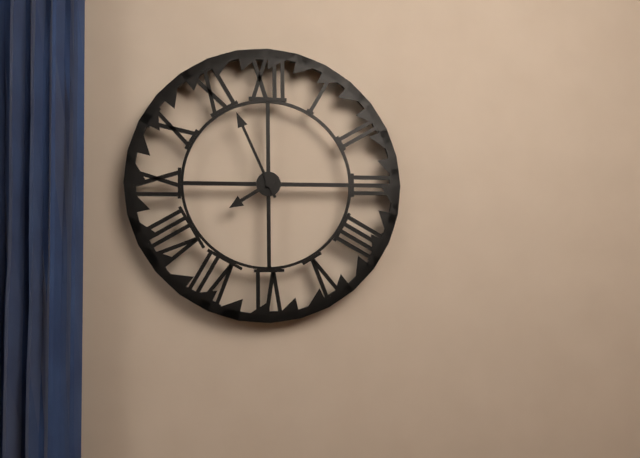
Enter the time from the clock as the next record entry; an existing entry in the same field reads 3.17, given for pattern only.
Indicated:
7.56
